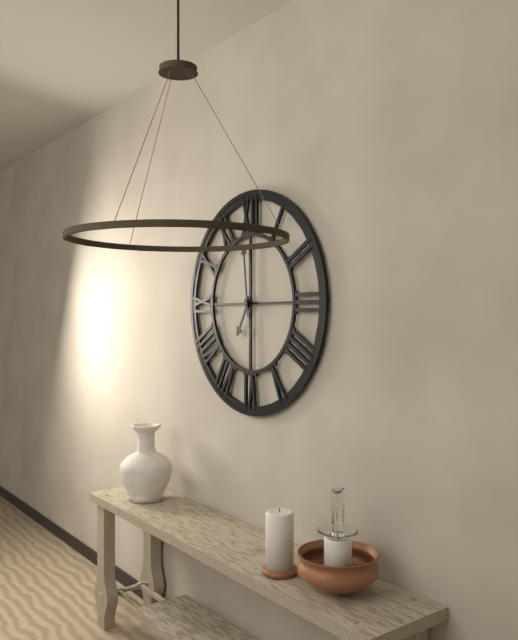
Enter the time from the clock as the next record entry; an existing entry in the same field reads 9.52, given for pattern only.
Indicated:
6.59
